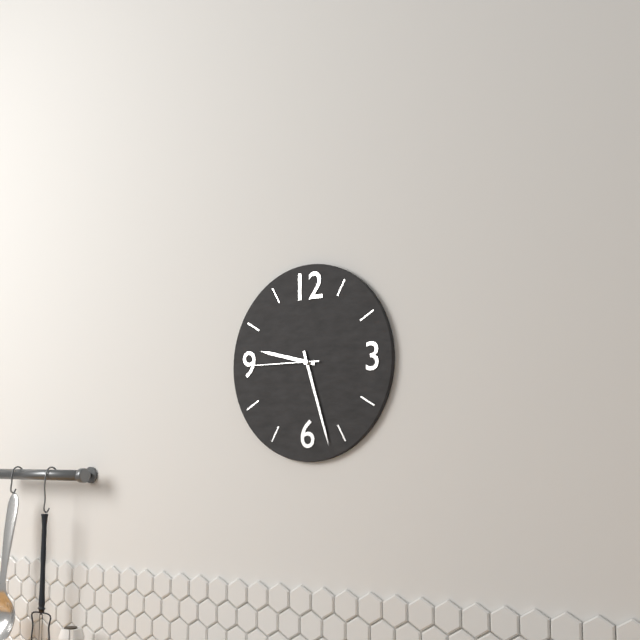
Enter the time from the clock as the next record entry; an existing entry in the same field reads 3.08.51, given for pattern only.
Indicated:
9.27.45
